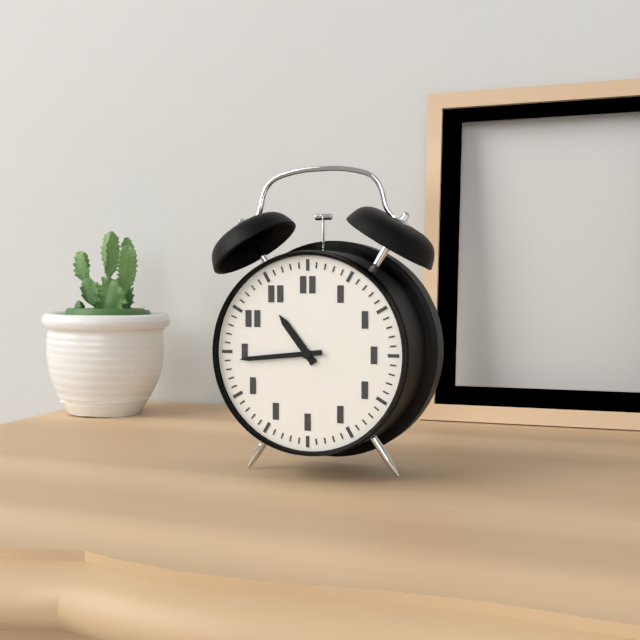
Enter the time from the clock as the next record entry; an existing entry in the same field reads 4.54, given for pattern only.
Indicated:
10.44
